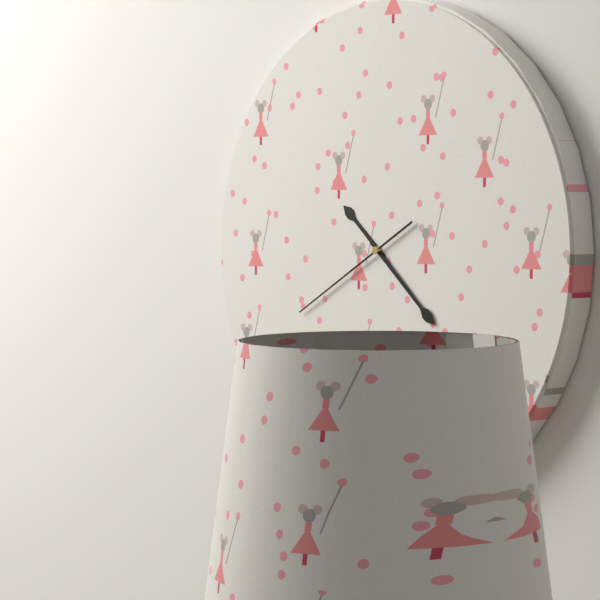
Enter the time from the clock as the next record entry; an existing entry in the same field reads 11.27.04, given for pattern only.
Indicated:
10.22.40
